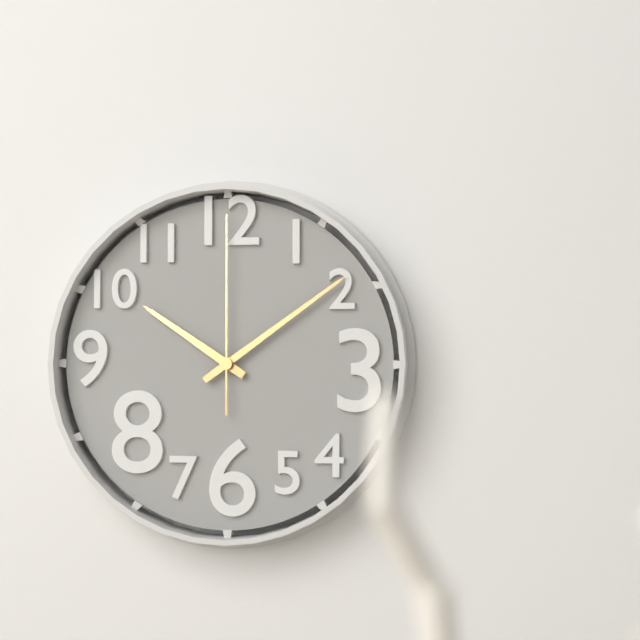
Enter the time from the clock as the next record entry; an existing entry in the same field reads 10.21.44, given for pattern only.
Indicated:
10.09.00
